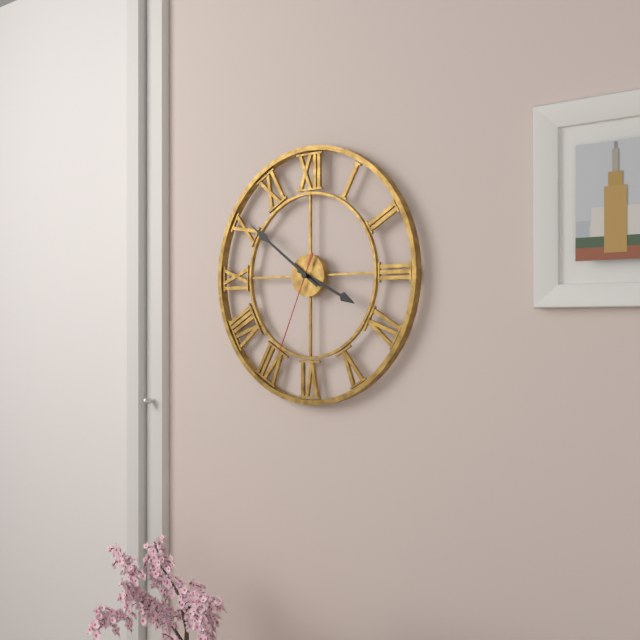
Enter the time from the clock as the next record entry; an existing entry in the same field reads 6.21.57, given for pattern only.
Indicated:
3.51.34
